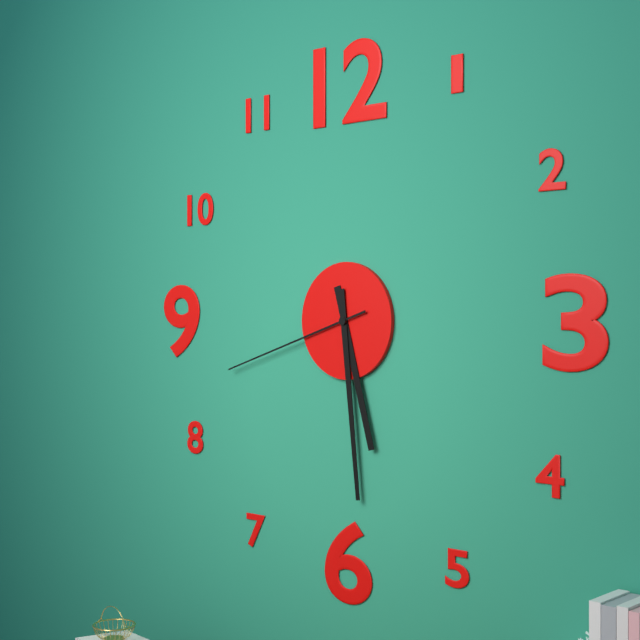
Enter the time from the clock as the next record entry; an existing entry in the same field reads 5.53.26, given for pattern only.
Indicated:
5.29.42
